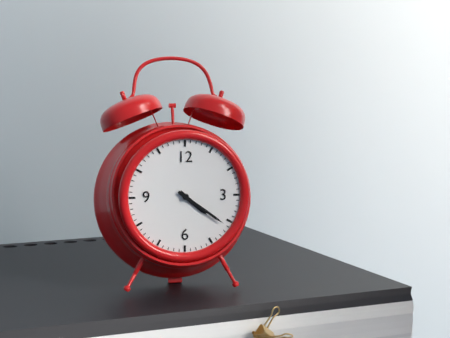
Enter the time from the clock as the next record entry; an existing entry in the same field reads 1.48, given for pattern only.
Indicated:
4.21
